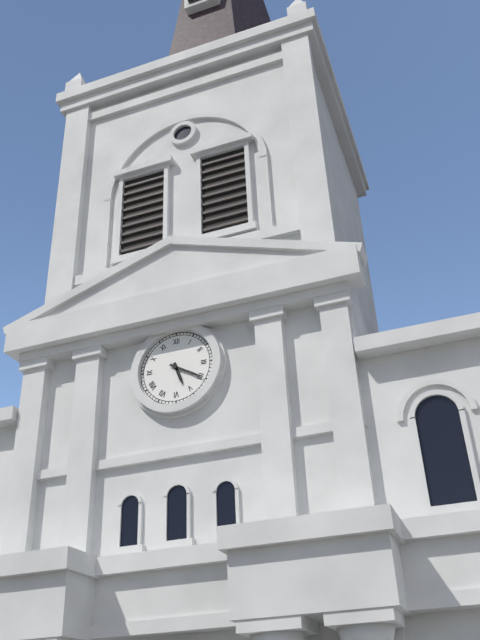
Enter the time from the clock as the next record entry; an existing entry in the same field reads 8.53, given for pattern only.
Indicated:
5.20
